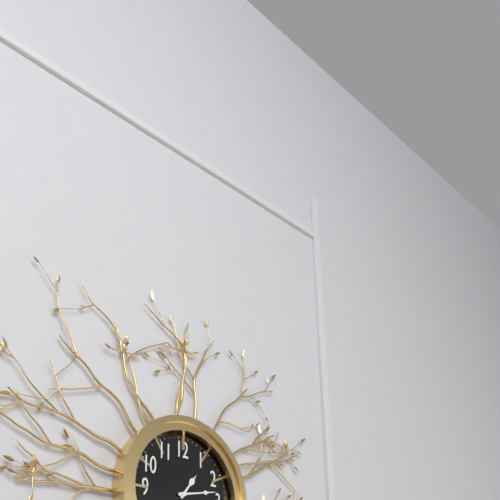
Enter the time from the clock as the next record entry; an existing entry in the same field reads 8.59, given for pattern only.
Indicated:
1.13
